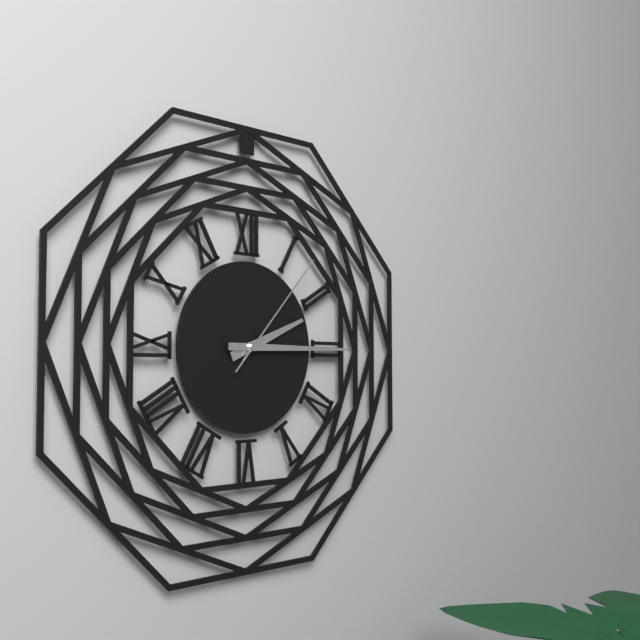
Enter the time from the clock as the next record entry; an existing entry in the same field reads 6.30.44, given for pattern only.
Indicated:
2.15.07
